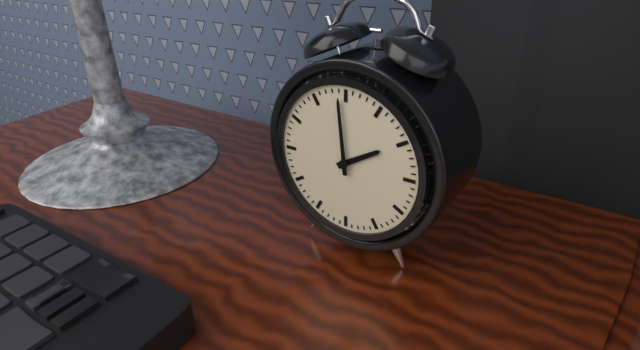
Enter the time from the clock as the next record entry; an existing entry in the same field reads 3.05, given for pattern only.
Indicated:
1.59
